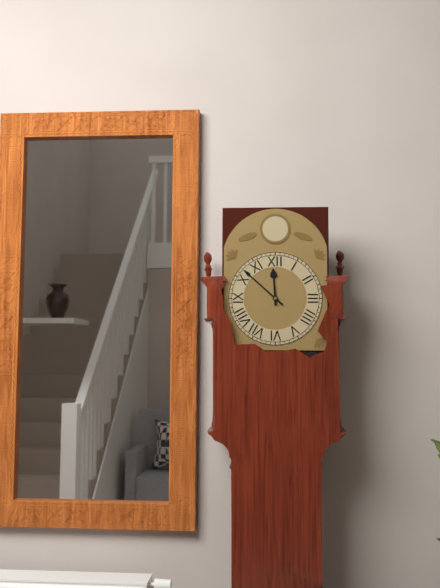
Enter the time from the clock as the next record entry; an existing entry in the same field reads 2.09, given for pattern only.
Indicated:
11.52
